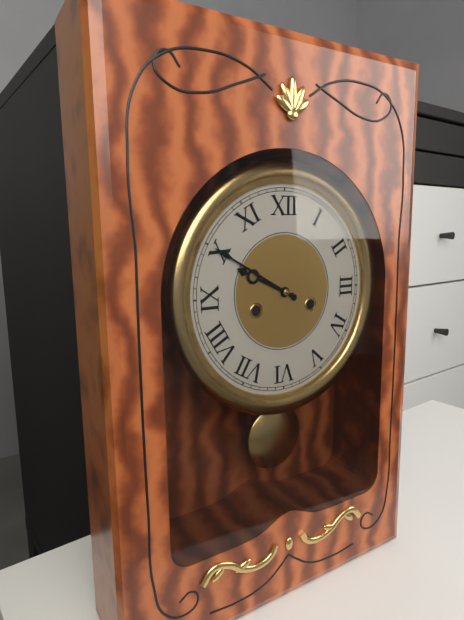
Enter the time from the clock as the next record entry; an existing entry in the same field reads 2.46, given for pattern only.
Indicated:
9.50
